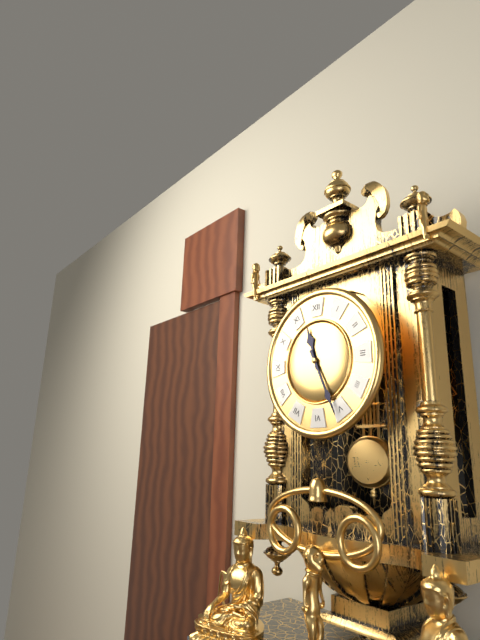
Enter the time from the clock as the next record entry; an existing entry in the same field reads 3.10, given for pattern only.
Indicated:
11.26
